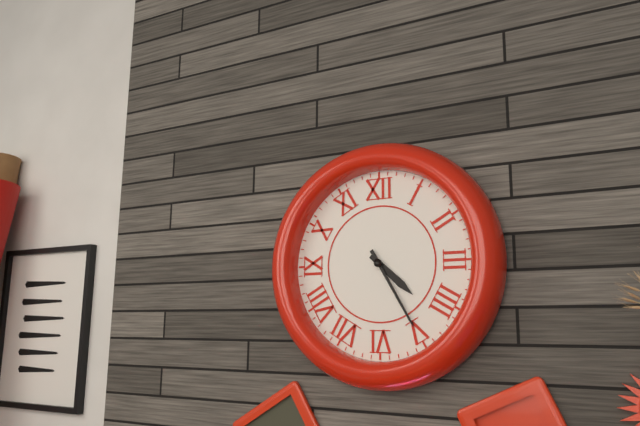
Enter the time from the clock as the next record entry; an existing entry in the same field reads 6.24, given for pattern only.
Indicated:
4.25
